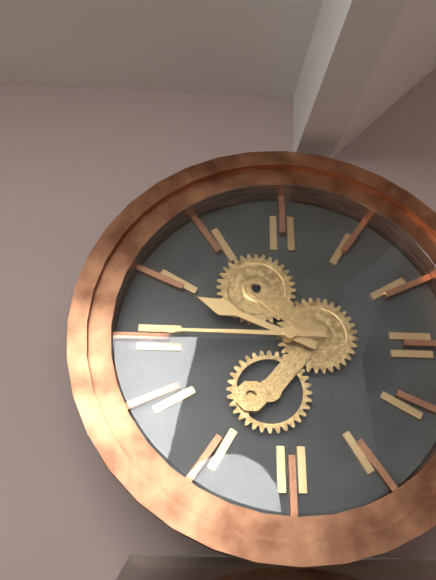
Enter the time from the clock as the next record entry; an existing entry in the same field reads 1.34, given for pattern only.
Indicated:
9.45
